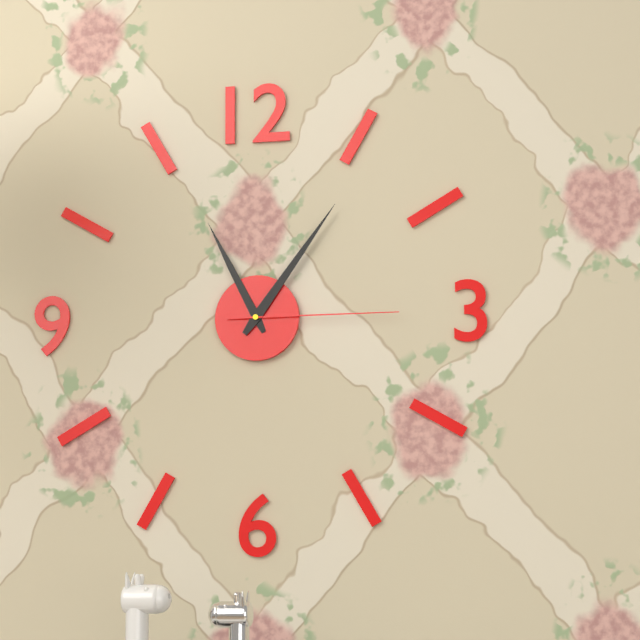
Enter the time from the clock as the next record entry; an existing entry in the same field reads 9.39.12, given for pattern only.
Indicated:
11.06.15
